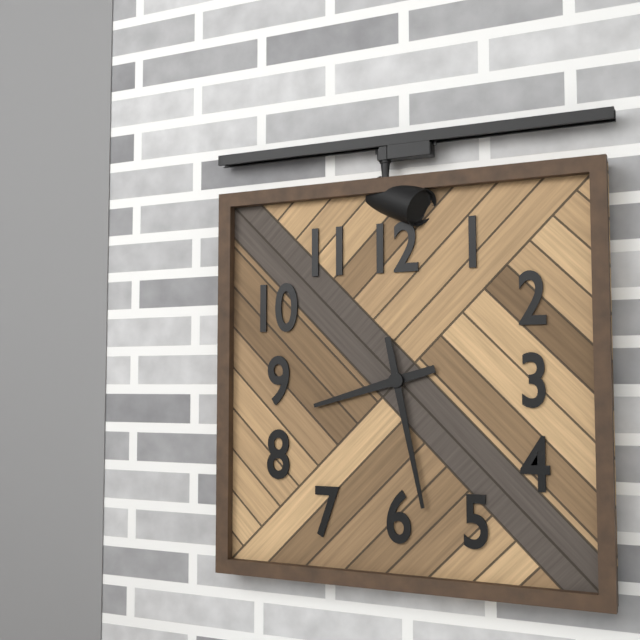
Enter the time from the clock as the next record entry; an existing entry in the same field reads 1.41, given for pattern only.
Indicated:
8.28
